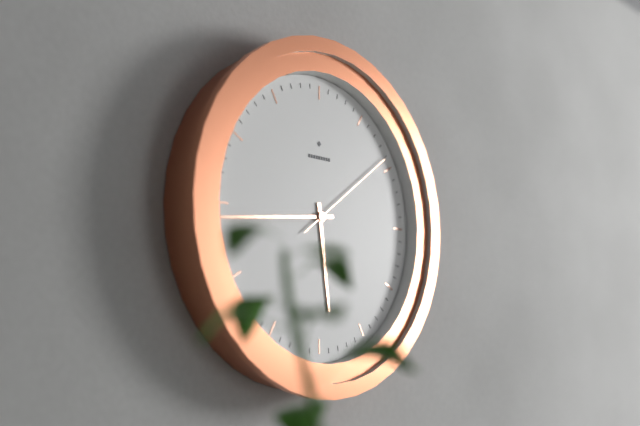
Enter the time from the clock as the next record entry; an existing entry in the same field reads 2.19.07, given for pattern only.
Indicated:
5.44.09
